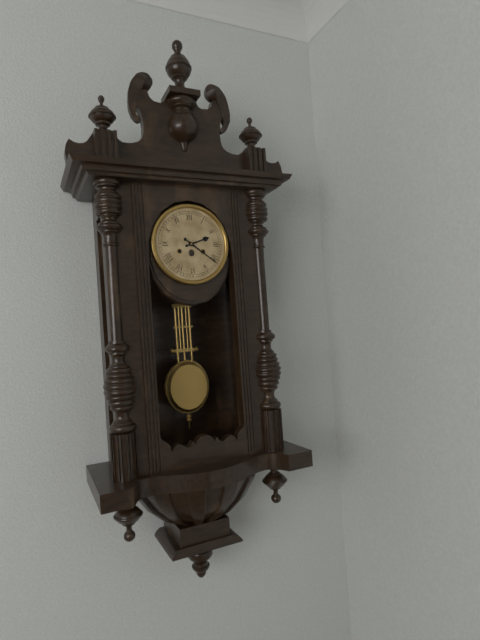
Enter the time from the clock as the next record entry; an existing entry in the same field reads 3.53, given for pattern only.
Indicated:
2.21
